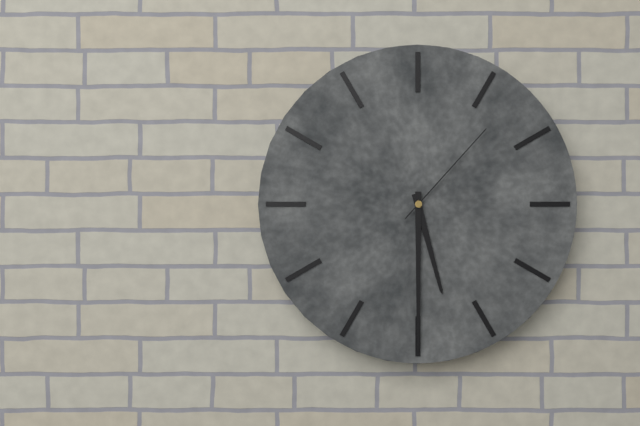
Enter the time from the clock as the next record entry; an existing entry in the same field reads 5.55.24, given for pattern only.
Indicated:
5.30.07
